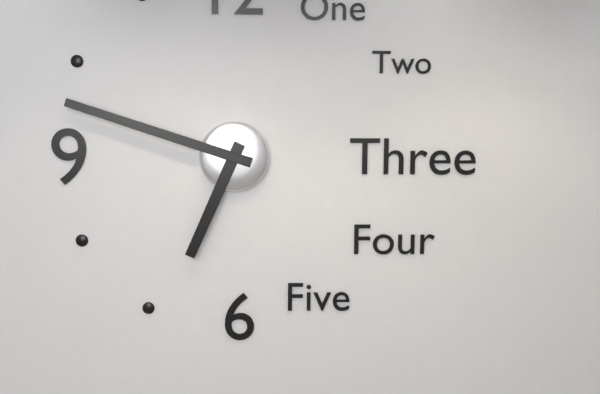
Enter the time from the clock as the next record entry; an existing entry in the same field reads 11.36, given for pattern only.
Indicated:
6.48
